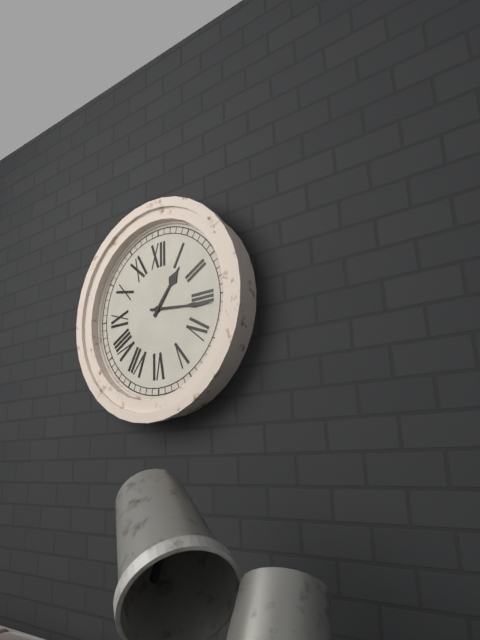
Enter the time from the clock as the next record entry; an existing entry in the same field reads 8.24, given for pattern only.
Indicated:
1.16
